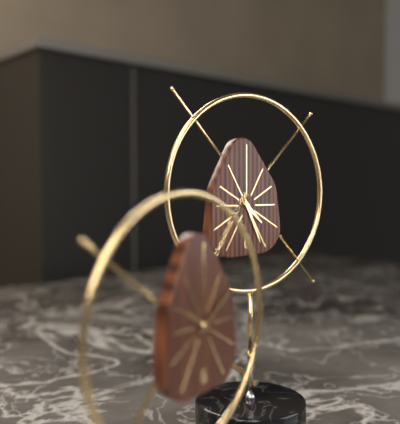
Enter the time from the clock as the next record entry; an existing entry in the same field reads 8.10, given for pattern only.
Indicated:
4.26
